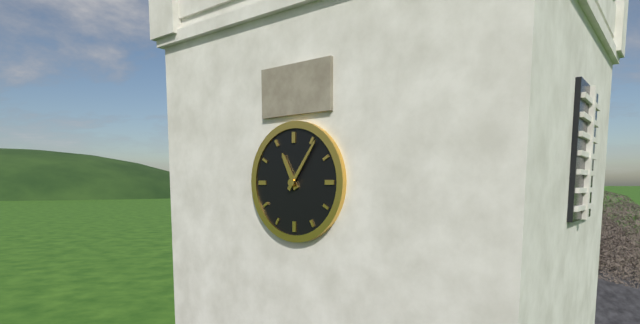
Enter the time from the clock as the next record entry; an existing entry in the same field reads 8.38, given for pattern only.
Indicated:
11.06
